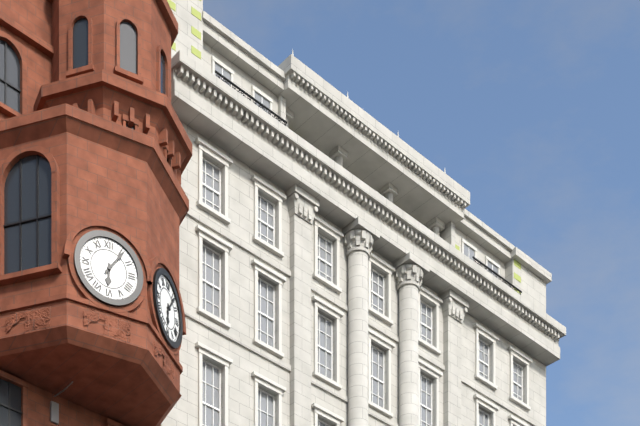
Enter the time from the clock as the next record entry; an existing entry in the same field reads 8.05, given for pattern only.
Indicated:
6.06
